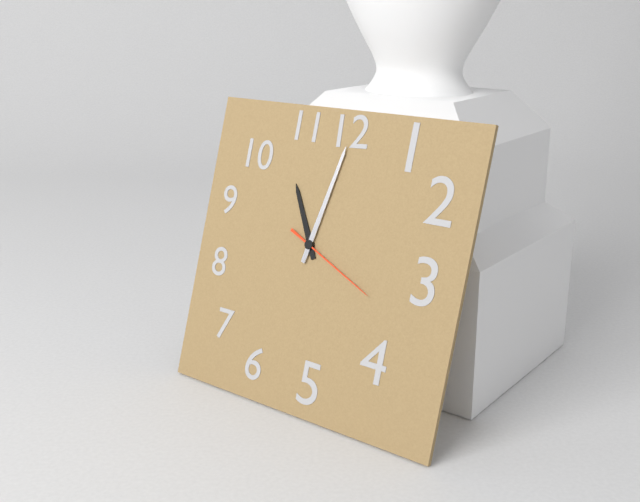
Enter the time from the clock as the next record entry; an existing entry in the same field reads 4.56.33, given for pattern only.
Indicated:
11.02.19
